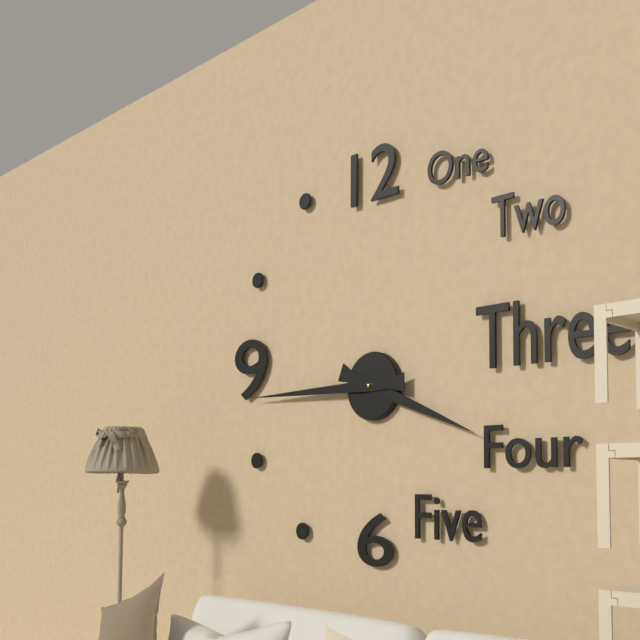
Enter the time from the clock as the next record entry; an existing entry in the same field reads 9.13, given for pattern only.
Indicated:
3.45
